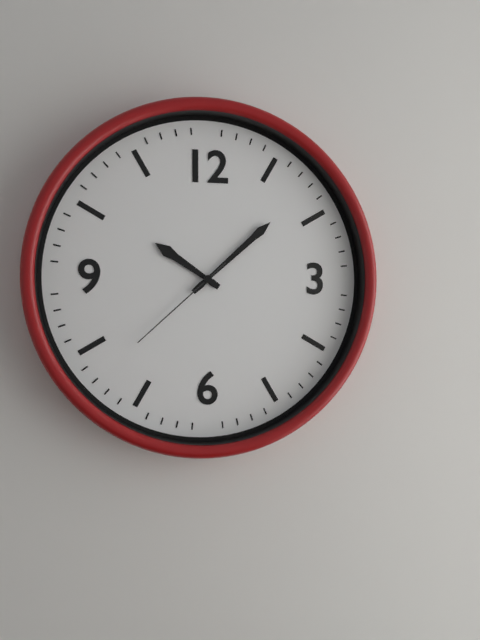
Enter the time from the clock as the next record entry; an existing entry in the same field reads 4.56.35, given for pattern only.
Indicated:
10.08.38
